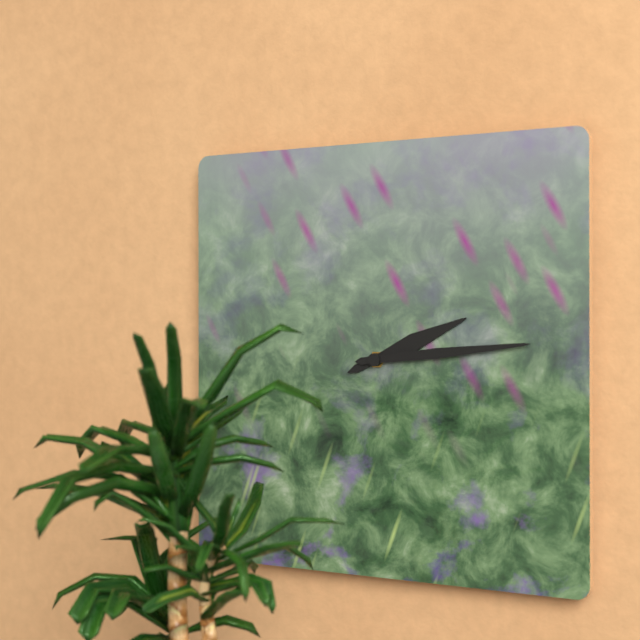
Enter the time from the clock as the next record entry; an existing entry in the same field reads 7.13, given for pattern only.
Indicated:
2.14
